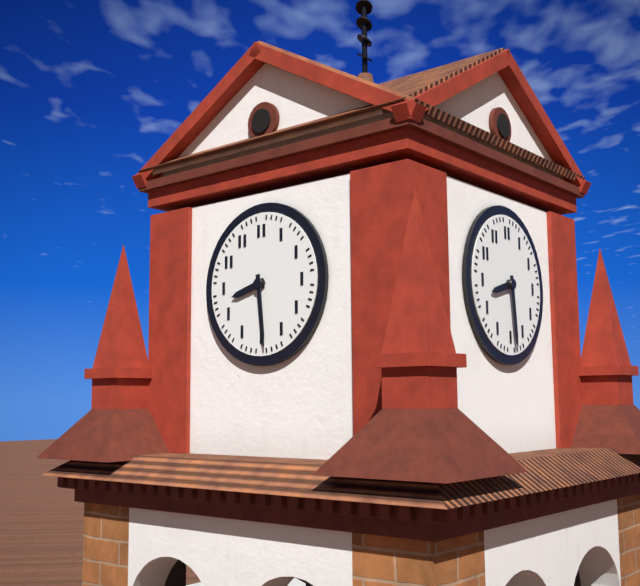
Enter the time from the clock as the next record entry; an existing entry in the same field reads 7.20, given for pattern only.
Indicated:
8.29
